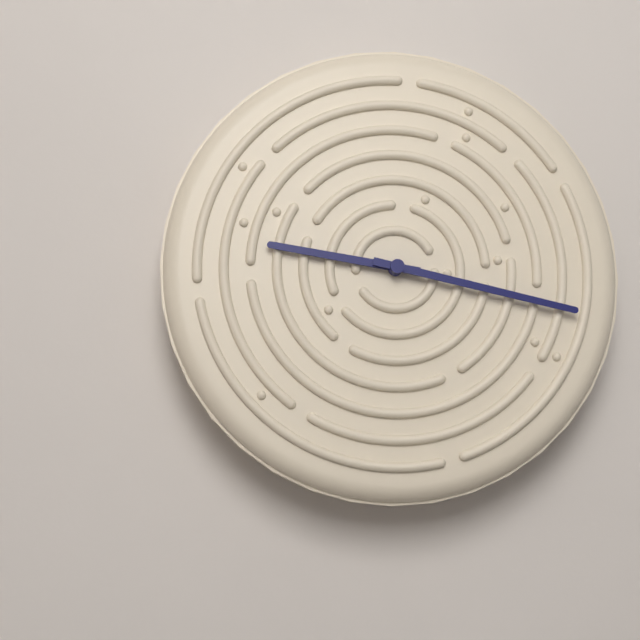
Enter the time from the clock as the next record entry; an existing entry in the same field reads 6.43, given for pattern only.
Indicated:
9.17
